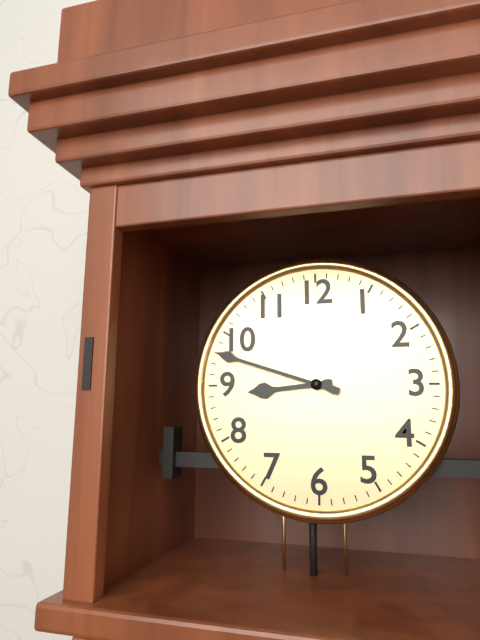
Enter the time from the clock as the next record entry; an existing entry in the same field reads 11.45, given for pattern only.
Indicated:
8.48
